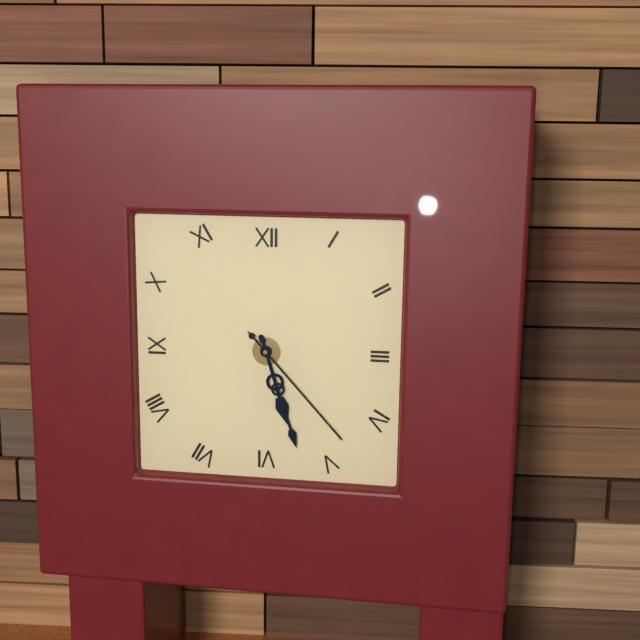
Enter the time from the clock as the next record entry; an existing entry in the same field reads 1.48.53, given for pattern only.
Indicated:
5.27.23
